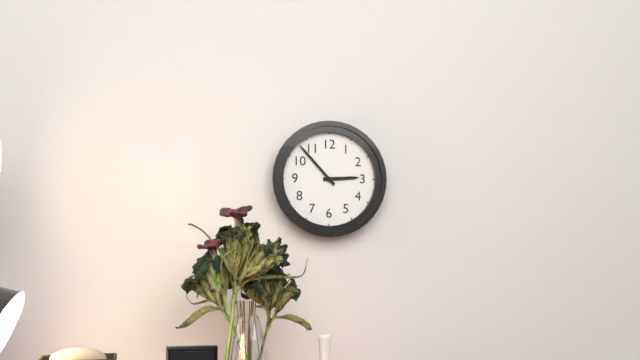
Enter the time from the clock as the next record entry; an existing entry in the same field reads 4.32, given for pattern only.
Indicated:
2.53
